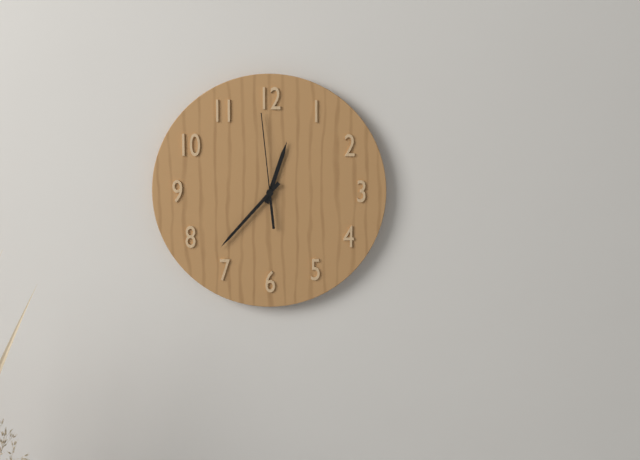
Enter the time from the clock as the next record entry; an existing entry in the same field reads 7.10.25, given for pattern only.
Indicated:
12.37.59
